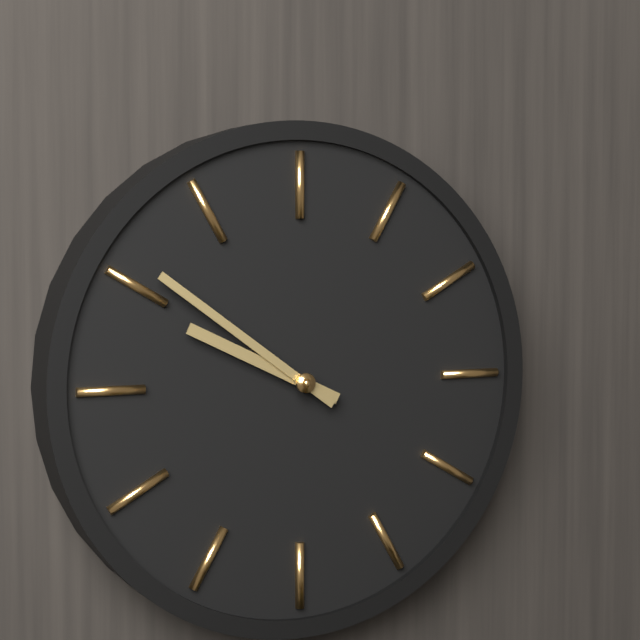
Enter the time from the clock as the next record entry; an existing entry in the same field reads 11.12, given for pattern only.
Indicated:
9.51
